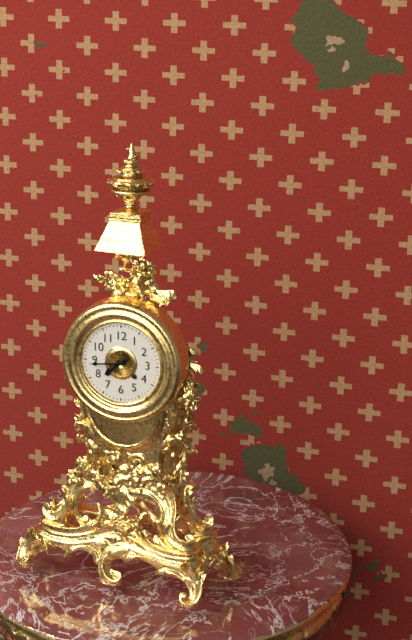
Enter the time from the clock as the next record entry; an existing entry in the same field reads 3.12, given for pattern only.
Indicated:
7.44
